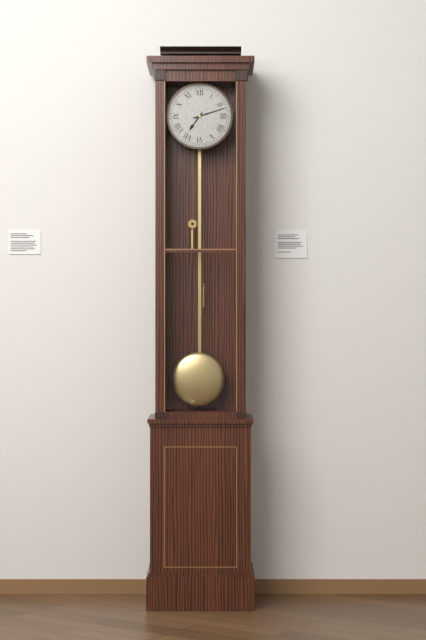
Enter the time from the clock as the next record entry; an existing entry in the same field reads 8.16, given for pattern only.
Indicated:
7.12
